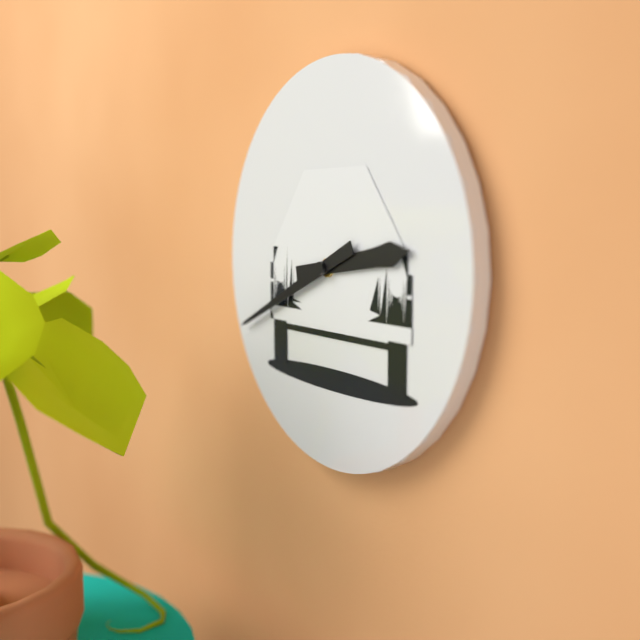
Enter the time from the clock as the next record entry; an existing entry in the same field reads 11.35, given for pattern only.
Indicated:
2.41
